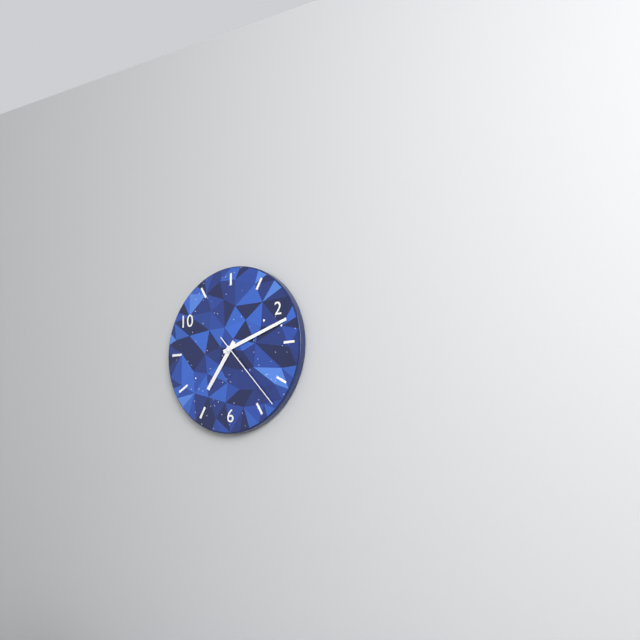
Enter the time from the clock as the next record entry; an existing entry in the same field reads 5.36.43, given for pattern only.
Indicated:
7.12.23
